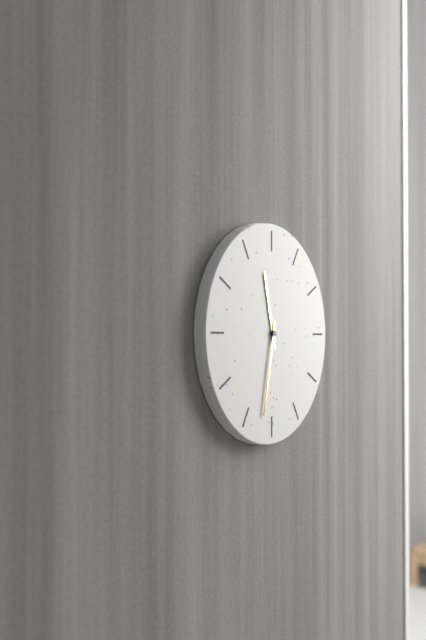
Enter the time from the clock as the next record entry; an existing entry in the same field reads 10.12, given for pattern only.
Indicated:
11.32
